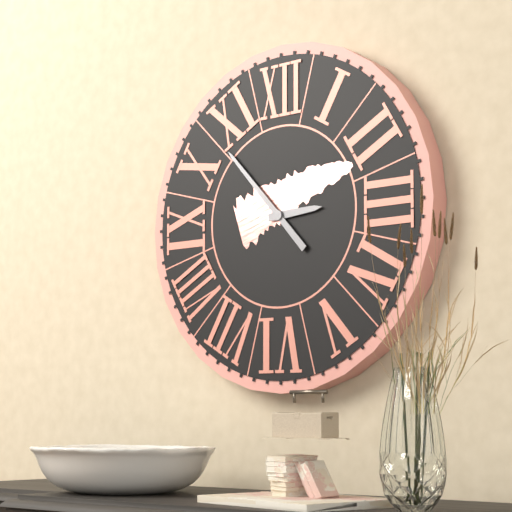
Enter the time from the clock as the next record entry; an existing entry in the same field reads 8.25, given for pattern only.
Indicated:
2.53
